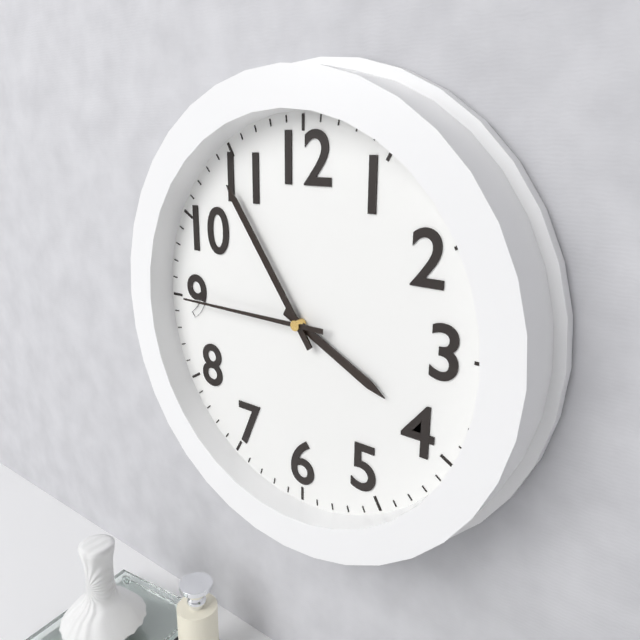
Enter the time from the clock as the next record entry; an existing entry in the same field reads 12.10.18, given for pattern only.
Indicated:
3.54.45
